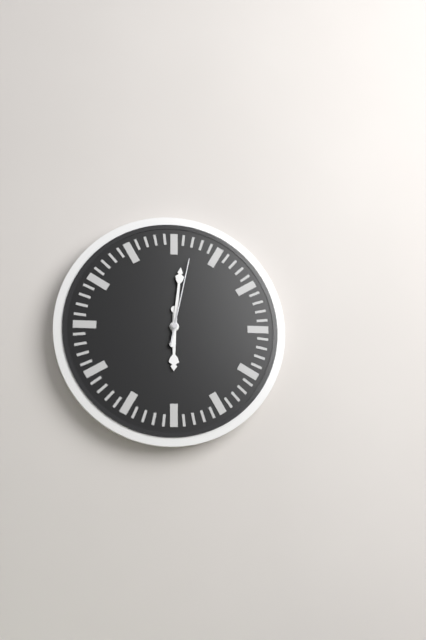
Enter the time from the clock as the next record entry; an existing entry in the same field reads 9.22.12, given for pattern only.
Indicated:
6.01.02
